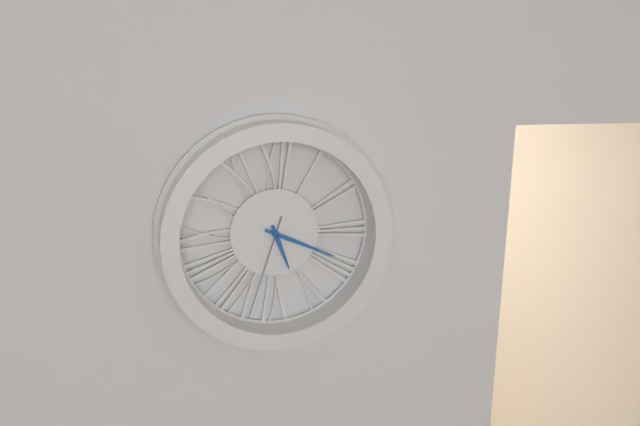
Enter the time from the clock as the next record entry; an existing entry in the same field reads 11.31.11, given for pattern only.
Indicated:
5.19.33
